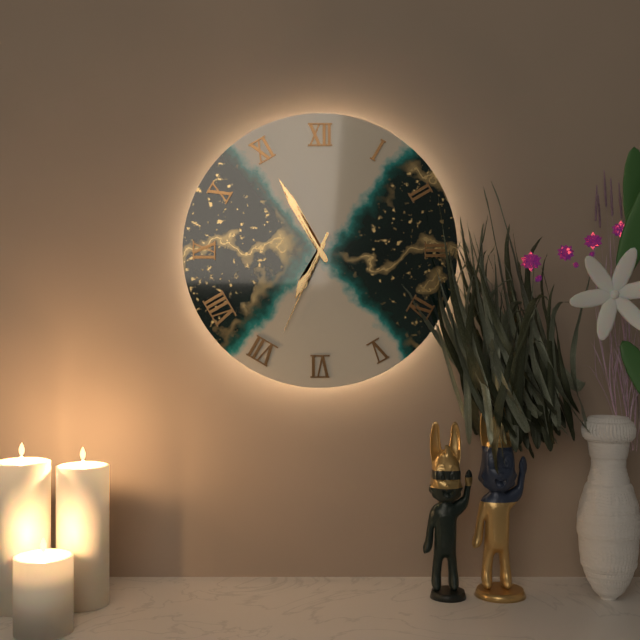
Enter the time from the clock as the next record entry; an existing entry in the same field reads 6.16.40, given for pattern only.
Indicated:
6.55.34
